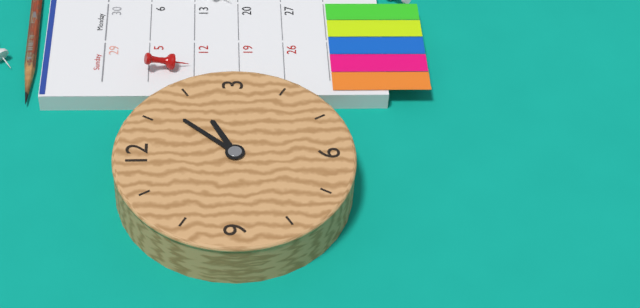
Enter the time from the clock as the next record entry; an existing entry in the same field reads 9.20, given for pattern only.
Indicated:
2.07
